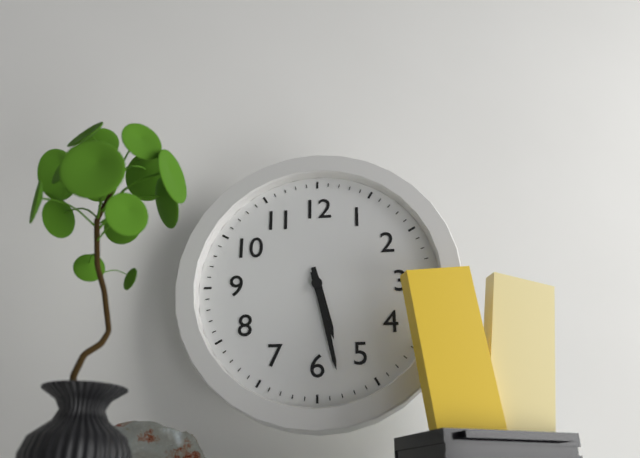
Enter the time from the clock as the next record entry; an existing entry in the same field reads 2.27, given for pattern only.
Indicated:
5.28
